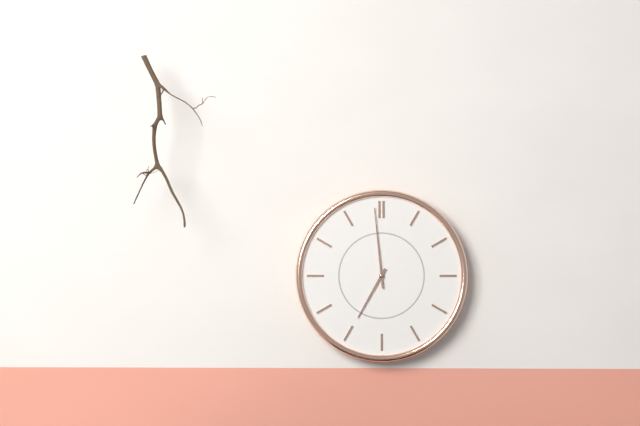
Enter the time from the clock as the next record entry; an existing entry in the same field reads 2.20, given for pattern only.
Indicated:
6.59
